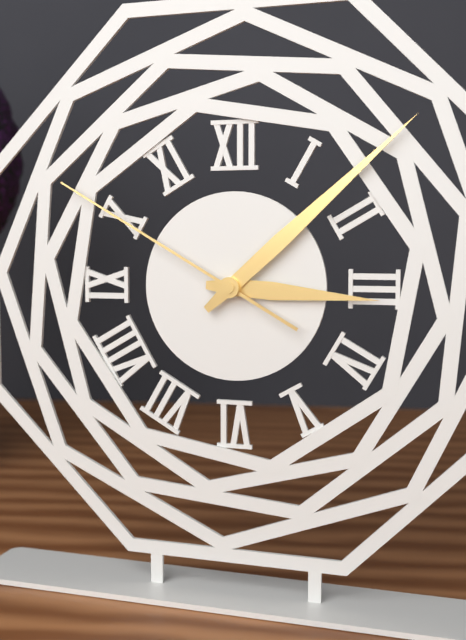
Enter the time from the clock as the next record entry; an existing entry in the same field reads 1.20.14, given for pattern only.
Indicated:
3.08.50
